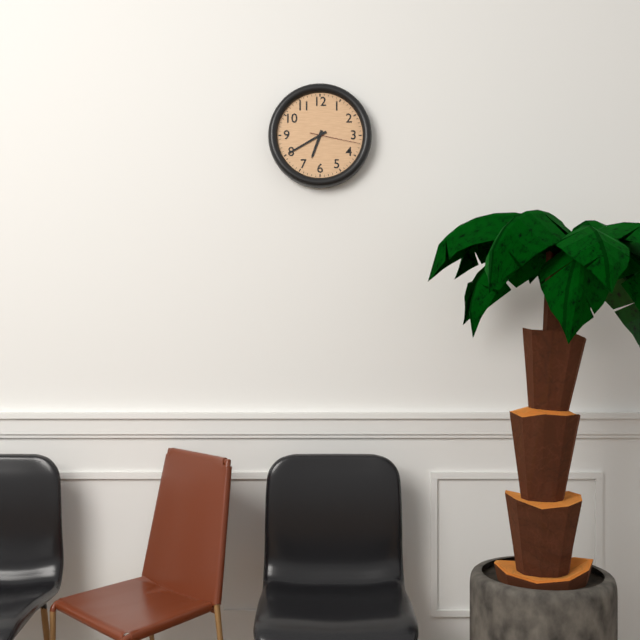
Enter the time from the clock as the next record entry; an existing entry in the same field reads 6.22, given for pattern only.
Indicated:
6.40
